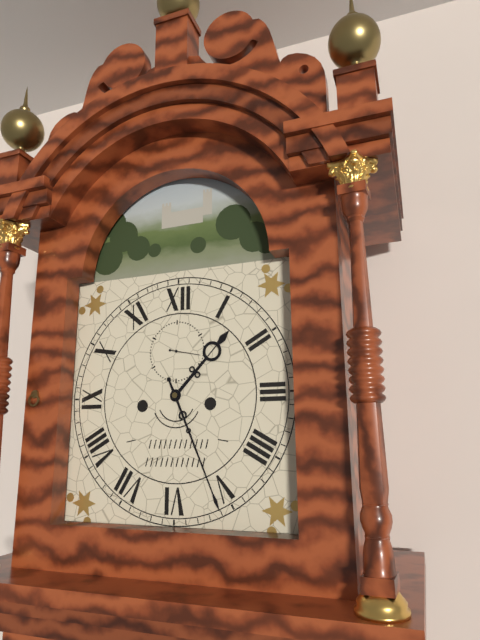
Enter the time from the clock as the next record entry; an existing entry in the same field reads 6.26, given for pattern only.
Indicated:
1.26
